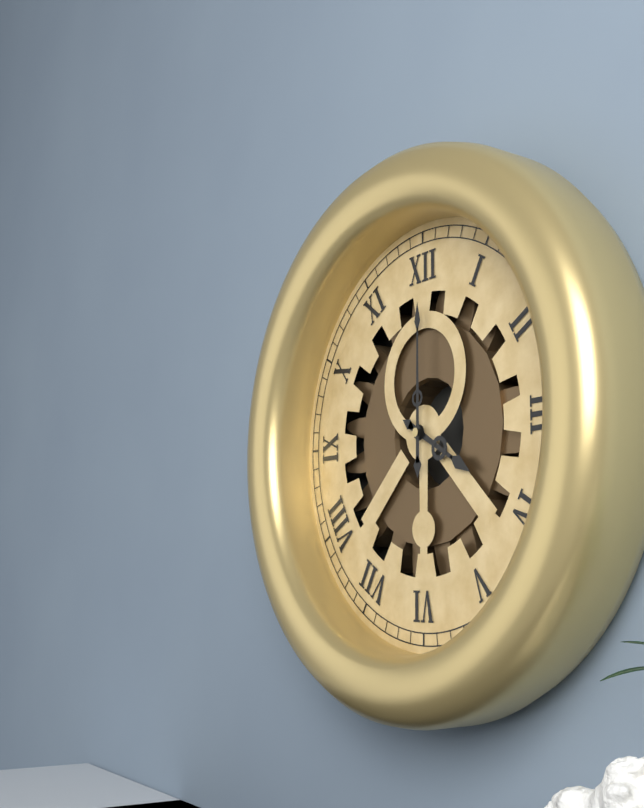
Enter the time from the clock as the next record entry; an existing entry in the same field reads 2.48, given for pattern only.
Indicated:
4.00
